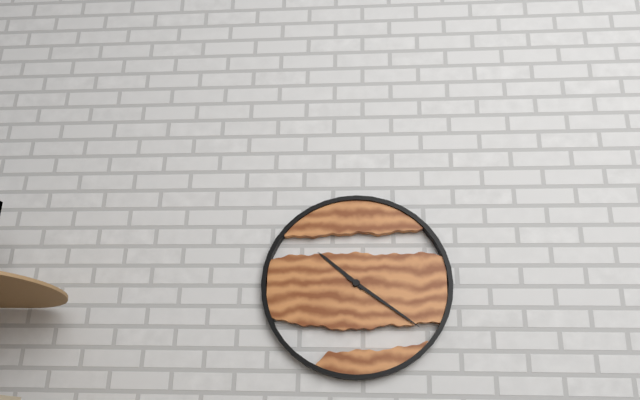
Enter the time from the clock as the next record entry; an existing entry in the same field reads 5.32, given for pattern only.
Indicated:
10.21
